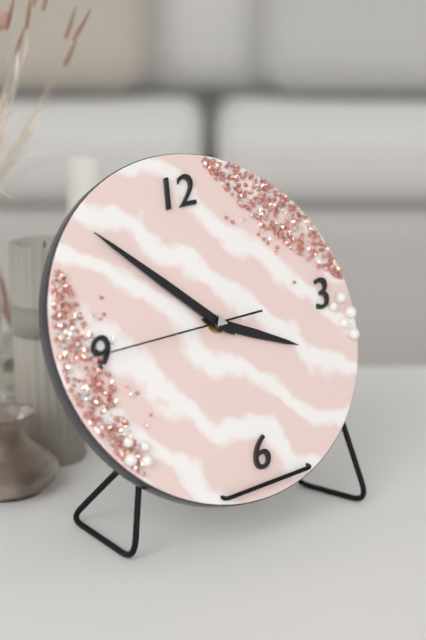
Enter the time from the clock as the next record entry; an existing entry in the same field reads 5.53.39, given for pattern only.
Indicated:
3.53.45
